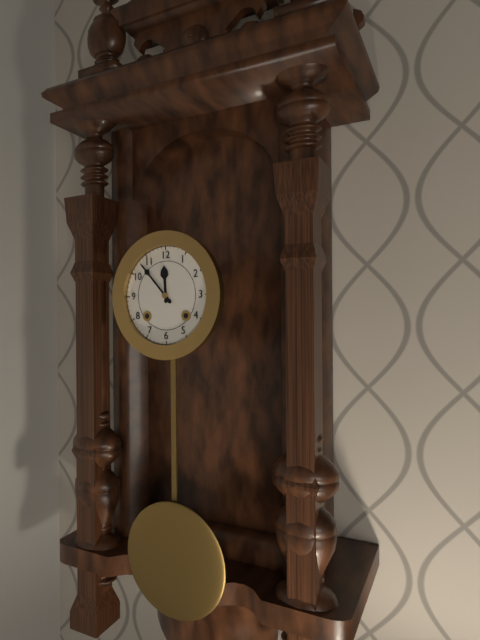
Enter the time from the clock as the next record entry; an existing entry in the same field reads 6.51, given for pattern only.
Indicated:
11.53
